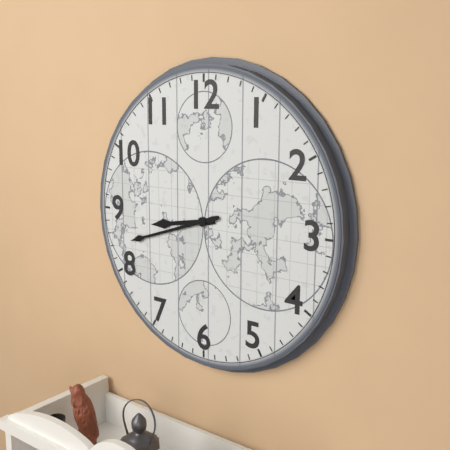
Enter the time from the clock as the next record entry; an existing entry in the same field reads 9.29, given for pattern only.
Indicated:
8.42
